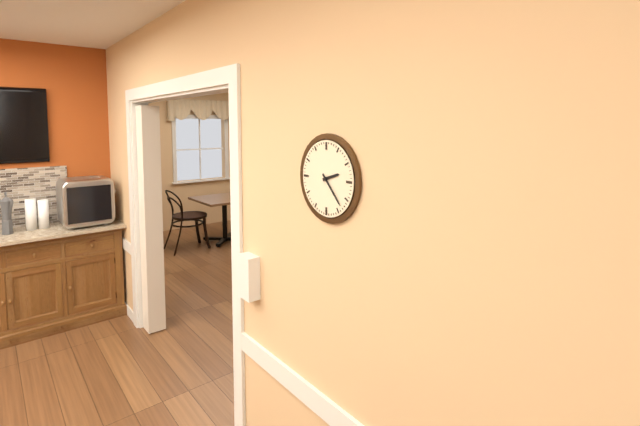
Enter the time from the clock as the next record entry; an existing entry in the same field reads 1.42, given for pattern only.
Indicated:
2.23
